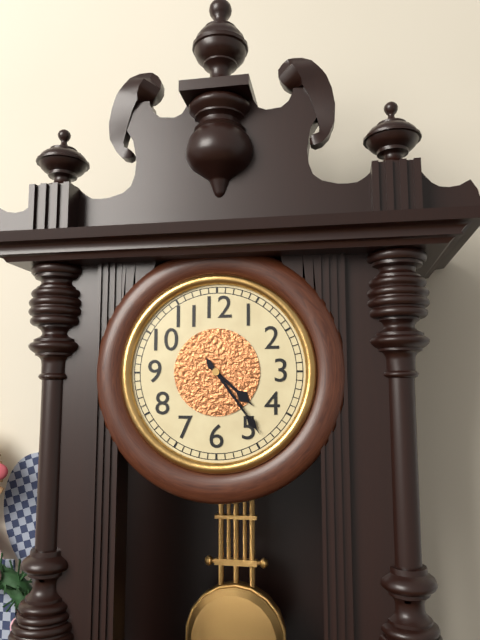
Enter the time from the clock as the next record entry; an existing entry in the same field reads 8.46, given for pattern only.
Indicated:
4.24
